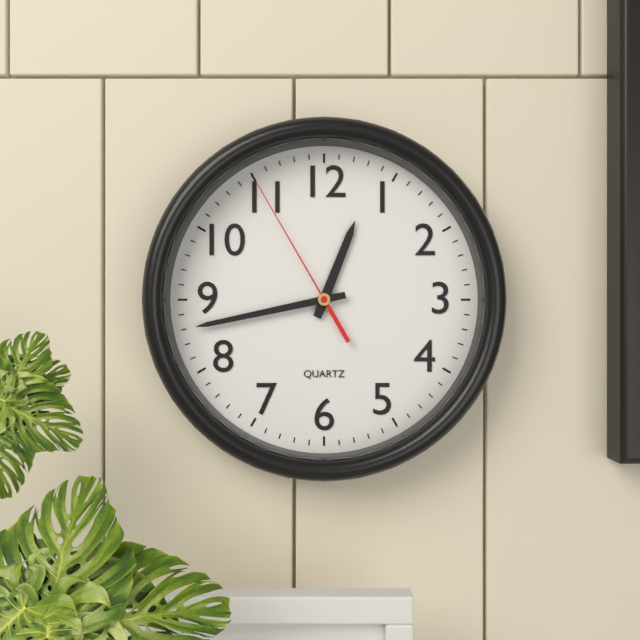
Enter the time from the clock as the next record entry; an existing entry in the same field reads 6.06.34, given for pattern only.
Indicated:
12.43.55
